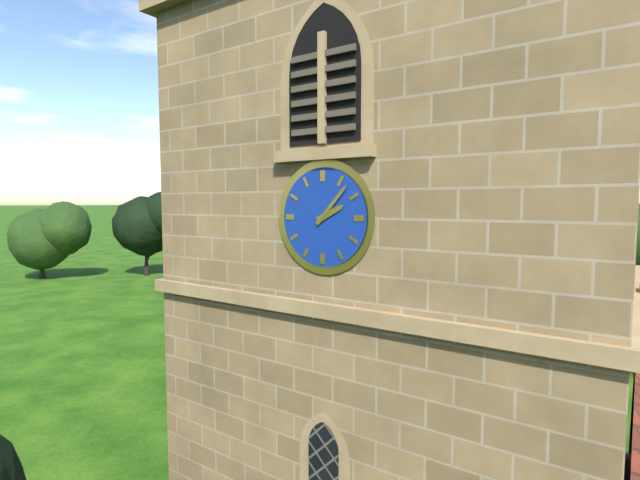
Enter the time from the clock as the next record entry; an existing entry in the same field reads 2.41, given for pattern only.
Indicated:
2.07
